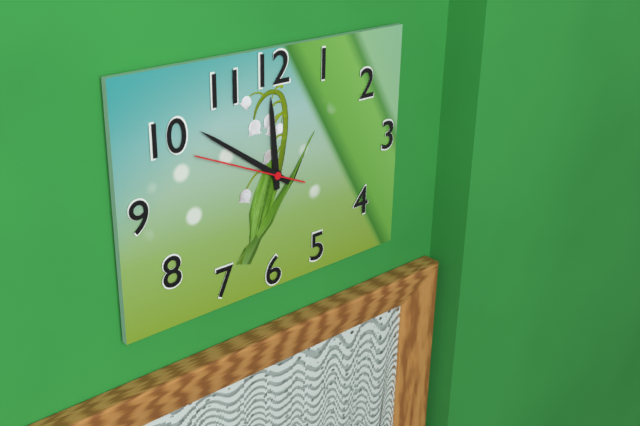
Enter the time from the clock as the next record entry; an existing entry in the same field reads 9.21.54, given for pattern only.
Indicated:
11.51.49
